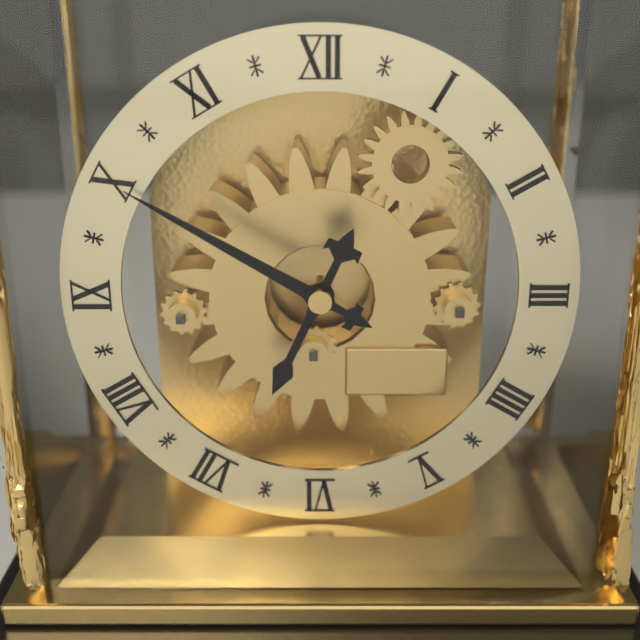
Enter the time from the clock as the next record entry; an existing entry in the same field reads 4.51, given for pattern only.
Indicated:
6.50
